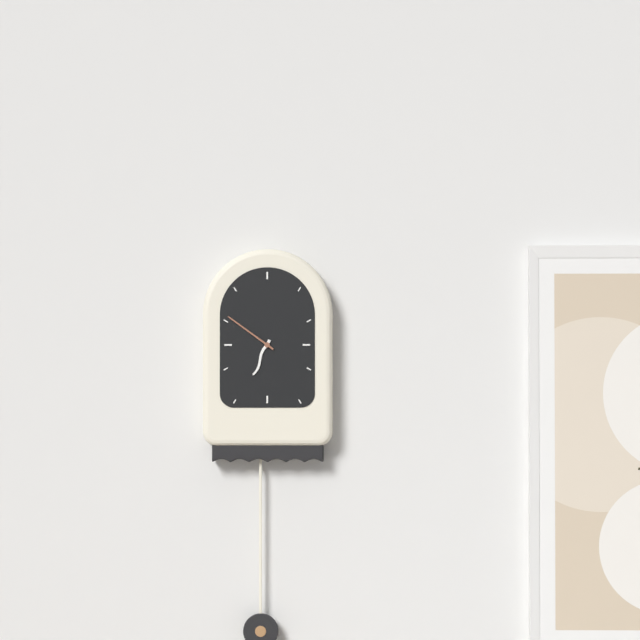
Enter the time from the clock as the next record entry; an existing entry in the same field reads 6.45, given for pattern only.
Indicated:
6.51
